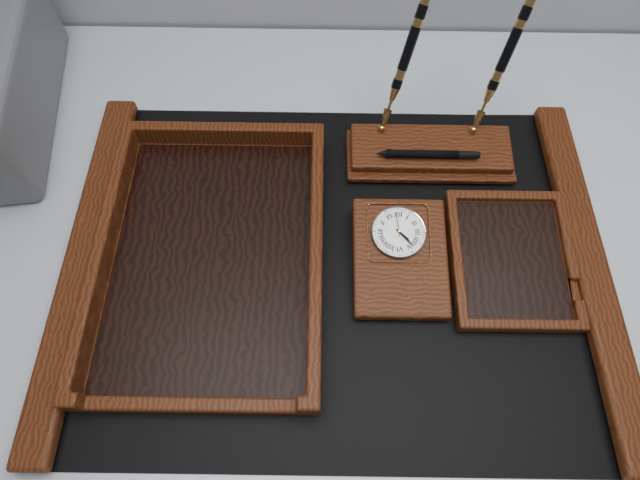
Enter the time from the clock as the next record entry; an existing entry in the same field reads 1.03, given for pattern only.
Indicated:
4.23
